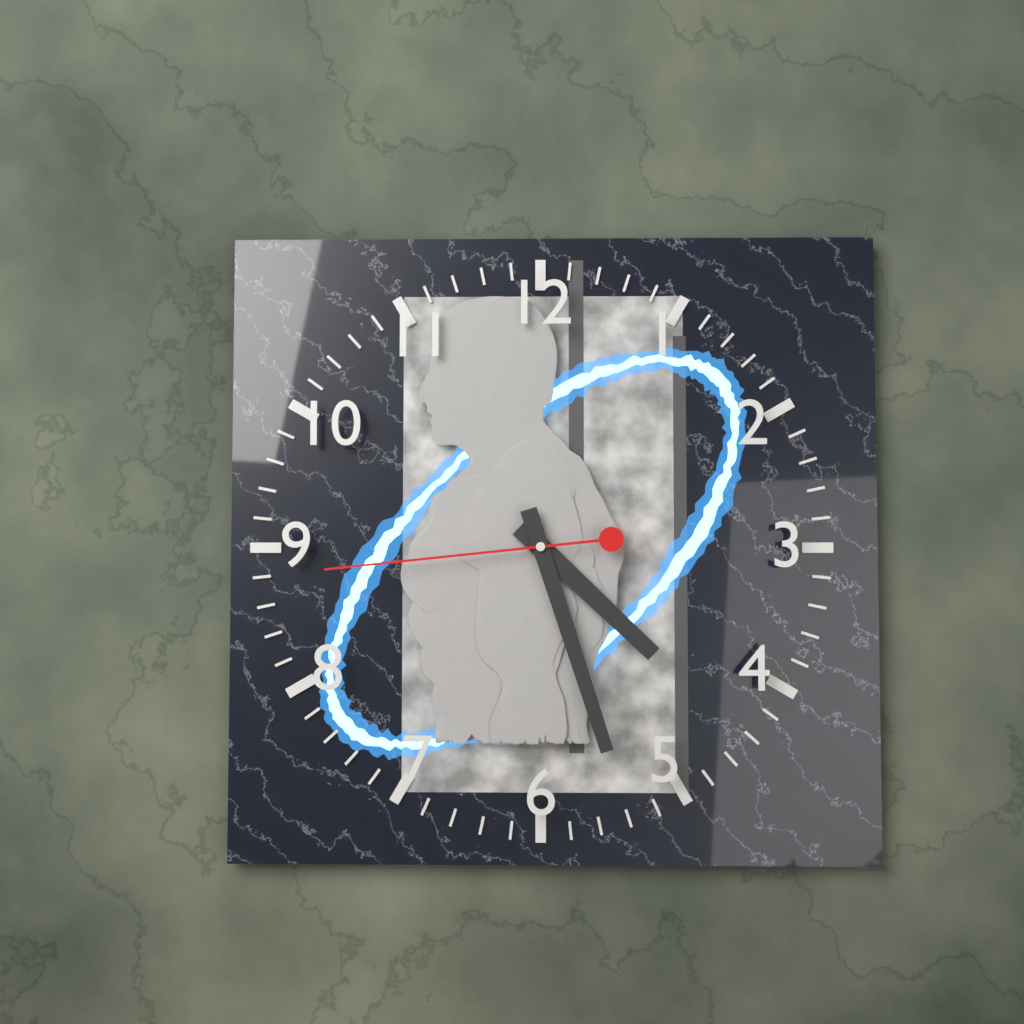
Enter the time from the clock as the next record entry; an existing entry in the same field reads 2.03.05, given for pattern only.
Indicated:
4.27.44
